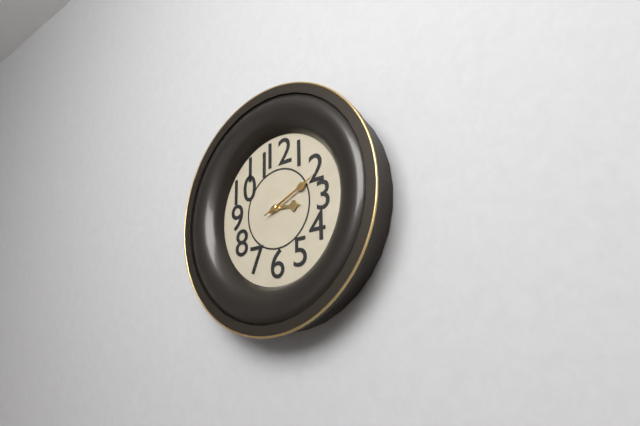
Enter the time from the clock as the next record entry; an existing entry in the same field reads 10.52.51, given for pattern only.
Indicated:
3.11.11
